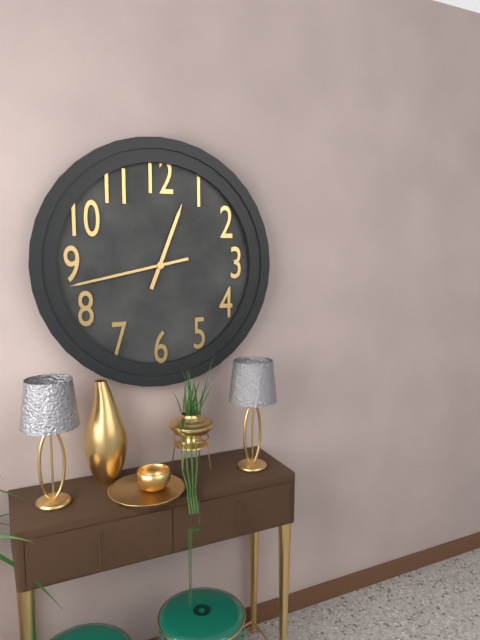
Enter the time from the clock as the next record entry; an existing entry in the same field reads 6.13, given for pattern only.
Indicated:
12.43
